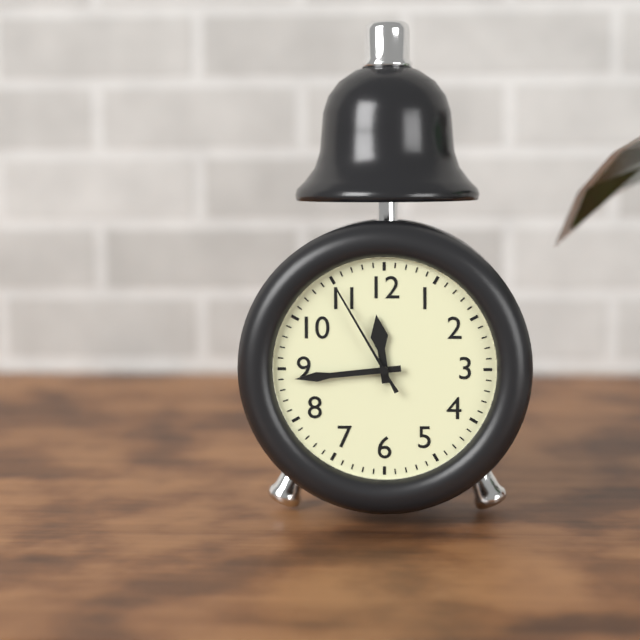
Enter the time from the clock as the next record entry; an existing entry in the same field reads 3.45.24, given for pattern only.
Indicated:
11.44.55
